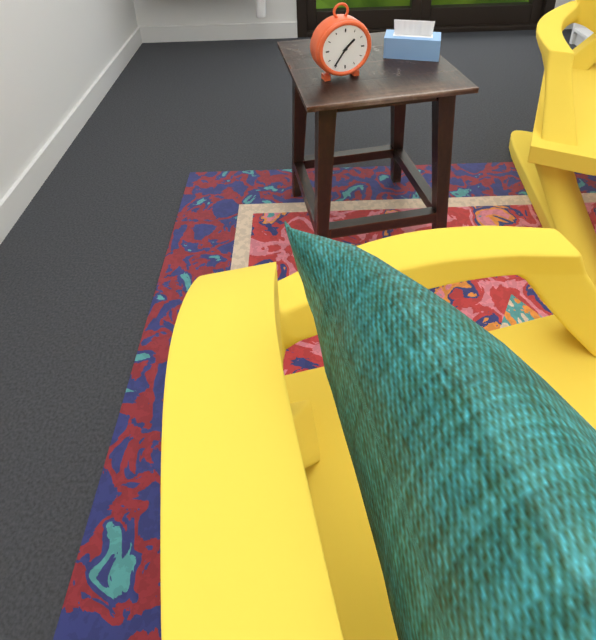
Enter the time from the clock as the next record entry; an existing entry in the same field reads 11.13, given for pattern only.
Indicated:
1.36
